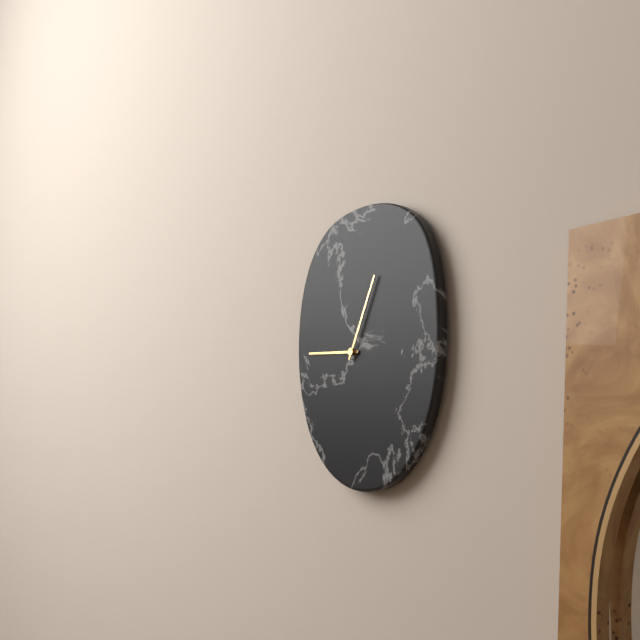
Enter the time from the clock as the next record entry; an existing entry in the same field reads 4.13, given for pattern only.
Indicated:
9.04
